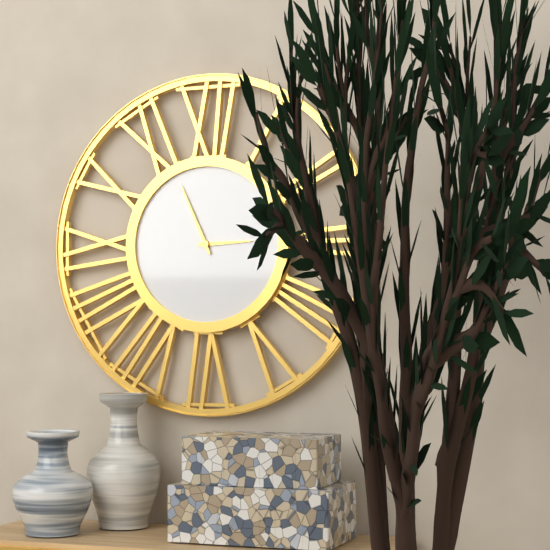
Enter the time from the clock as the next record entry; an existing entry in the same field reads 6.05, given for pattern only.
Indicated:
2.56
